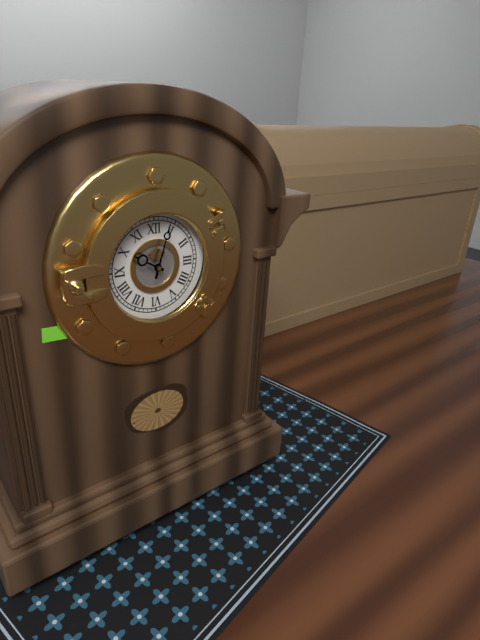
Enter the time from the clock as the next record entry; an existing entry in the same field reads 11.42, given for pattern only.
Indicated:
10.03
